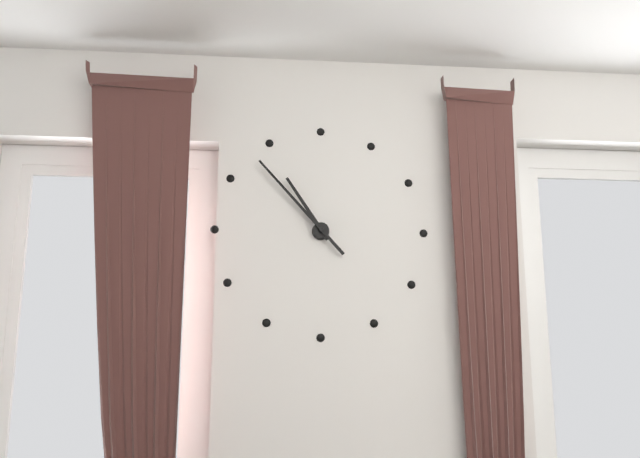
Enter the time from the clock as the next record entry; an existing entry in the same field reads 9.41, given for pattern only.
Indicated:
10.53
